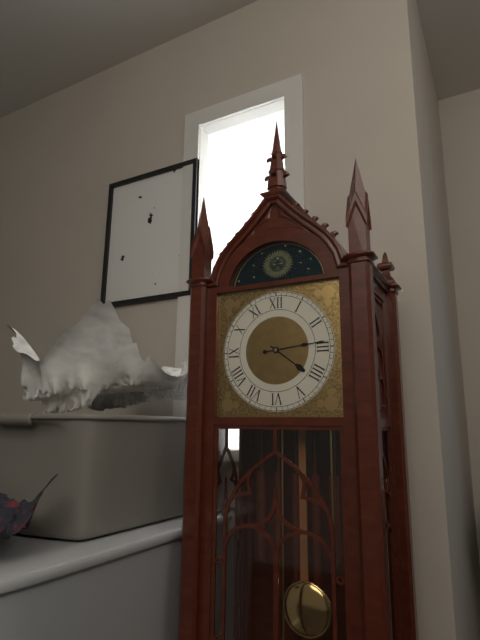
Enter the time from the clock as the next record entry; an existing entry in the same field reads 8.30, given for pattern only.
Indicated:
4.14
